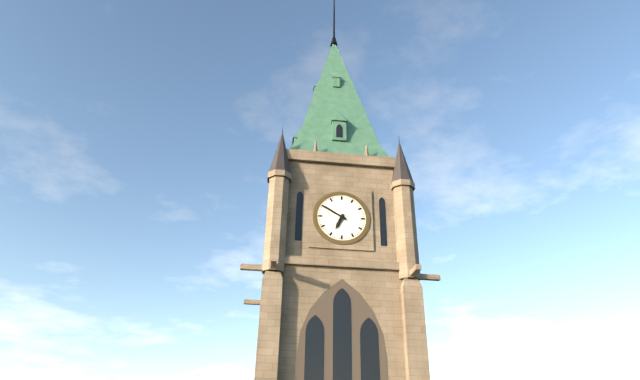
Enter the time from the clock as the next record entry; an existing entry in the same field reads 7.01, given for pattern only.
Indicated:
6.50
